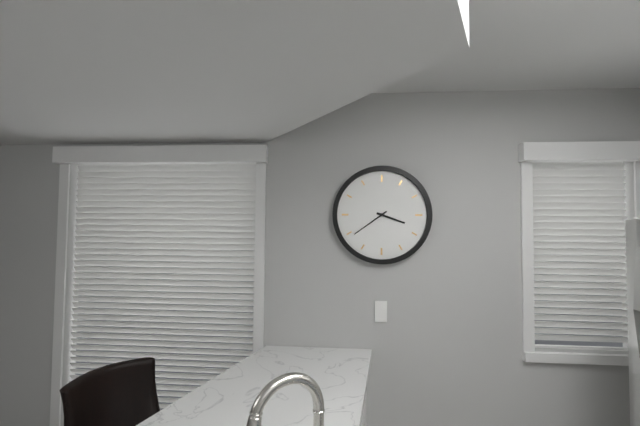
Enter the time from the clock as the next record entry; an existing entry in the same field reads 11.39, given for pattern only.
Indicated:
3.39
